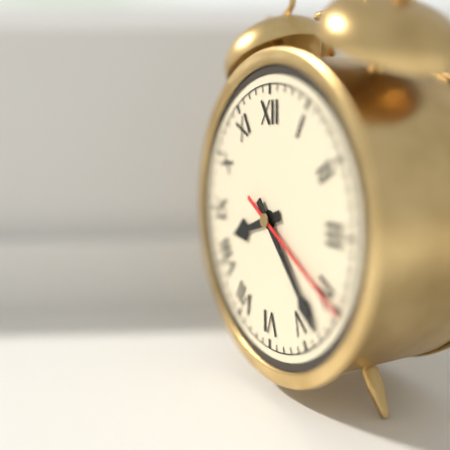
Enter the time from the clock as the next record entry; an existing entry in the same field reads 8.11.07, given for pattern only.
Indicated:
8.23.20
